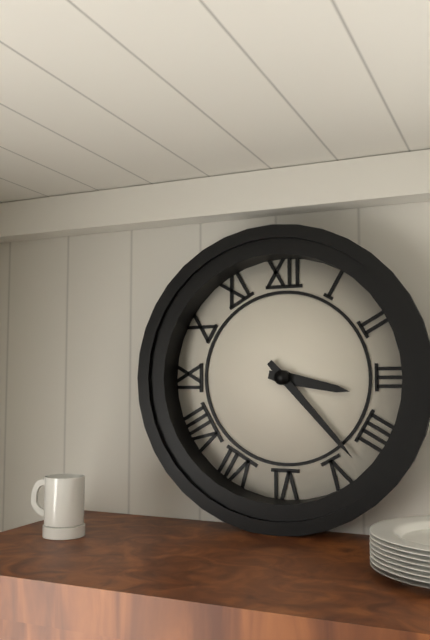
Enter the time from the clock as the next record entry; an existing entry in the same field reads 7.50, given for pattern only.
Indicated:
3.23
